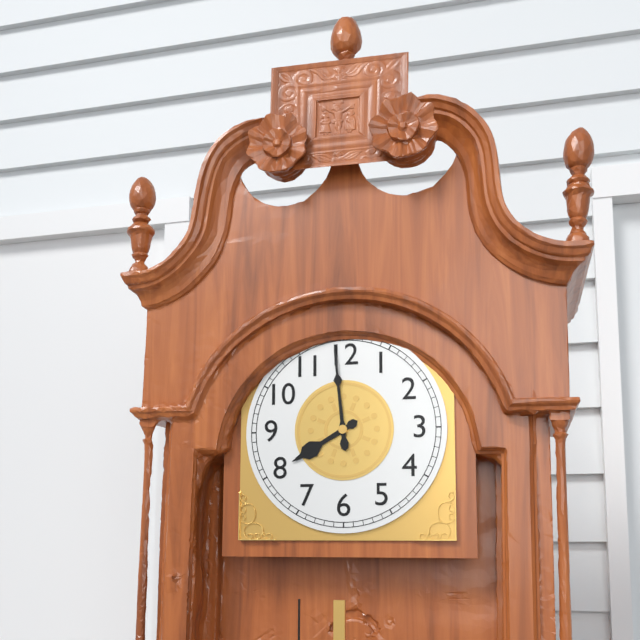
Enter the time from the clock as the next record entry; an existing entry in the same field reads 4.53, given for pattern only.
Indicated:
7.59
